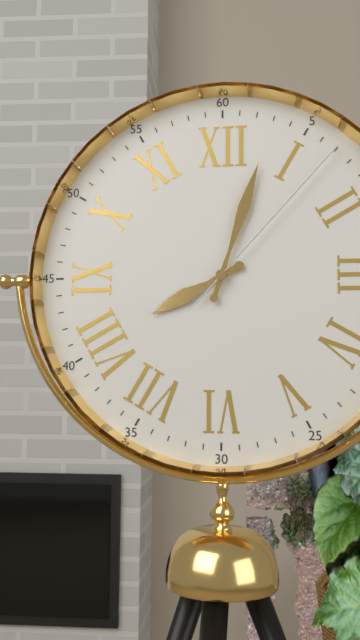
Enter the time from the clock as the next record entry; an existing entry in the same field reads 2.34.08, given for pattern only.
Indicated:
8.03.07
